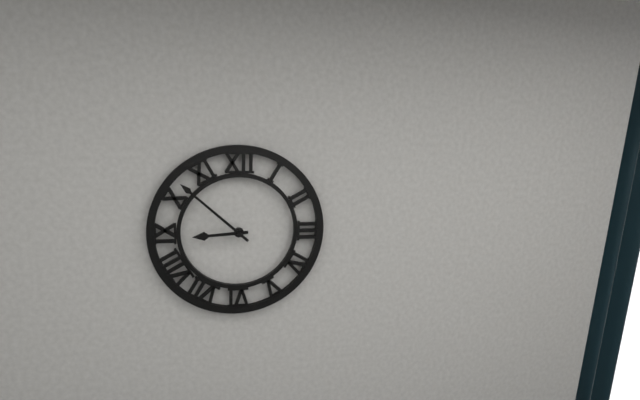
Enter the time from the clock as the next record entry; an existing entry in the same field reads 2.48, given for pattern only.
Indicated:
8.52
